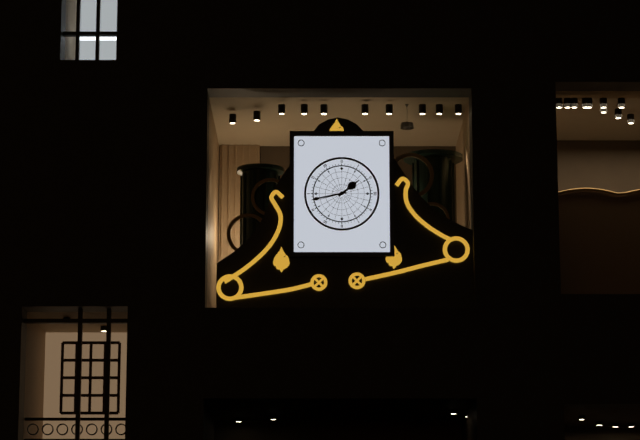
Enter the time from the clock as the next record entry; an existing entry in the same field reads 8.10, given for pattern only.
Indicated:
1.43
